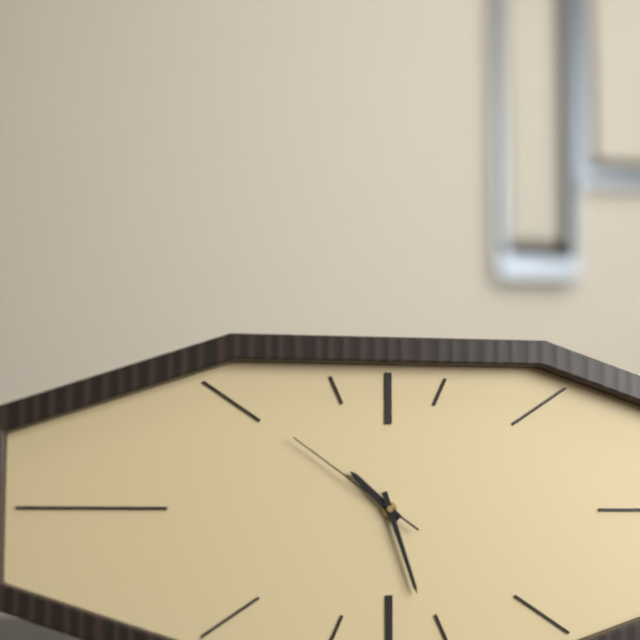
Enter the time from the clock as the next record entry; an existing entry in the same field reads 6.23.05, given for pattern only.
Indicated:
10.27.51
